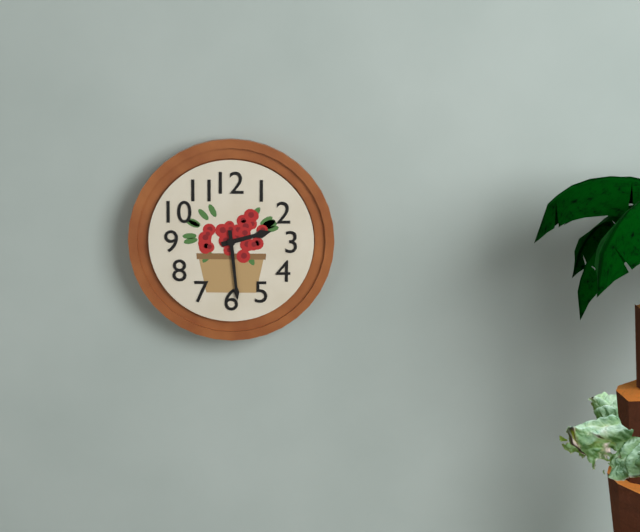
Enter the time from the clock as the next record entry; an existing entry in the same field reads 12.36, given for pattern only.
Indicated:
2.29
